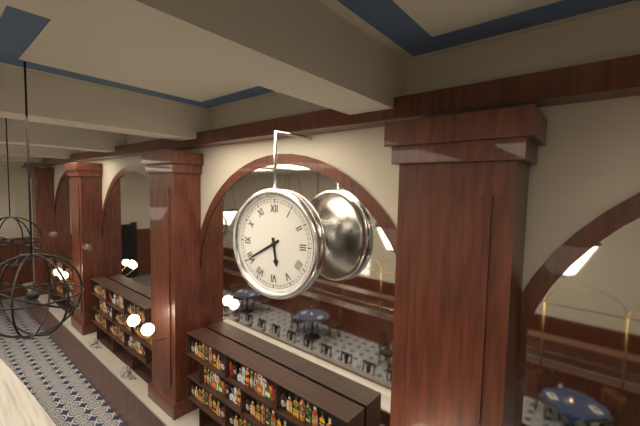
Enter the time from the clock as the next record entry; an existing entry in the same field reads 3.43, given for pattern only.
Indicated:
5.40
